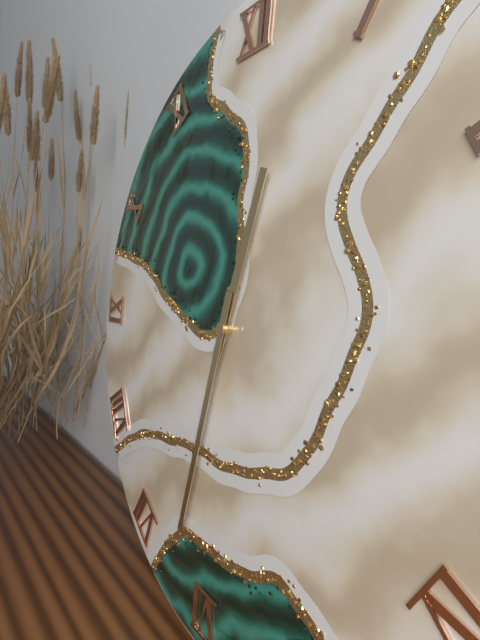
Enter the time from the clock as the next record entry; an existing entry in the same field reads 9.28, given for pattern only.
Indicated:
12.32
